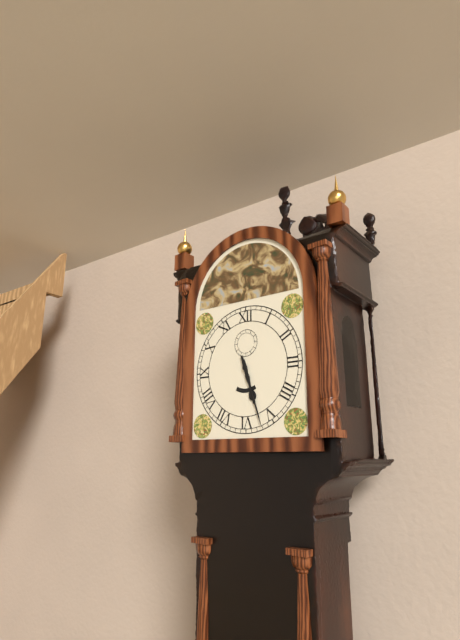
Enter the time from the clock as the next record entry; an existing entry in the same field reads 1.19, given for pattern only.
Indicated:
5.27
